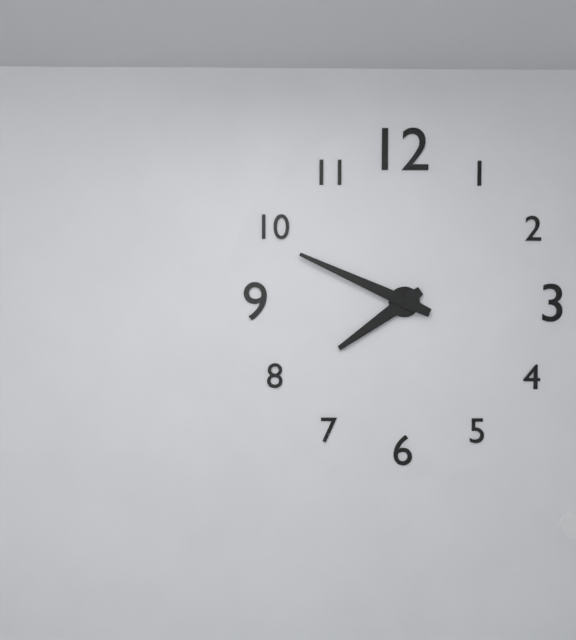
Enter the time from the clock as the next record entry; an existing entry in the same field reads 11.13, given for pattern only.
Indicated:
7.49
